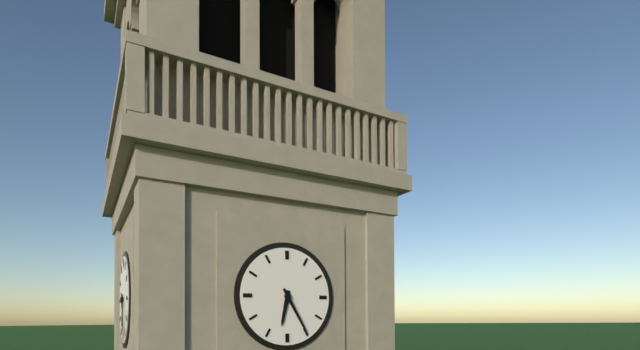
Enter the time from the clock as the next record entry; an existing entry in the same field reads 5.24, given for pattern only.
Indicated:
6.25
